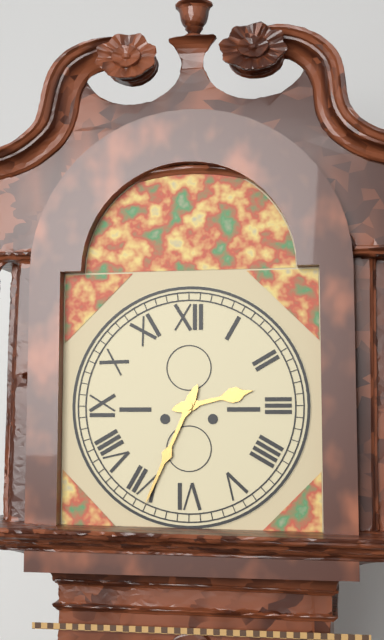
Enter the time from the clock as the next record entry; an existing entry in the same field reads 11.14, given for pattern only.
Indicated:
2.34
